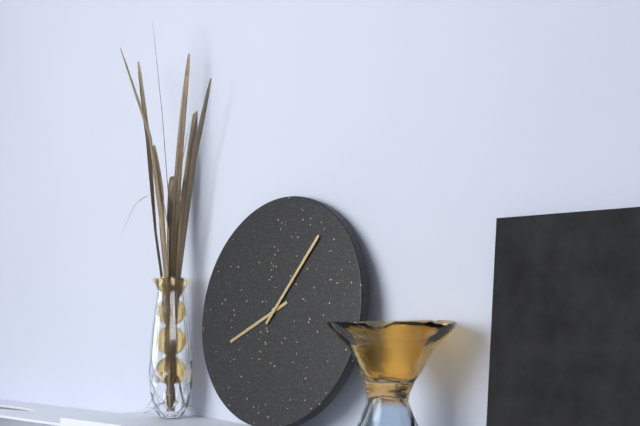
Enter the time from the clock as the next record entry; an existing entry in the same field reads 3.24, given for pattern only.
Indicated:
8.06
